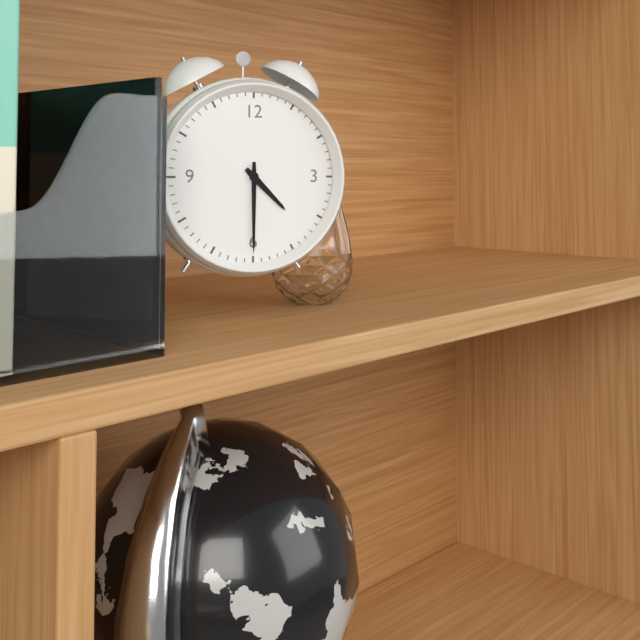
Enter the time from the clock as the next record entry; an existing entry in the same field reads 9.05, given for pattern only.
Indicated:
4.30
